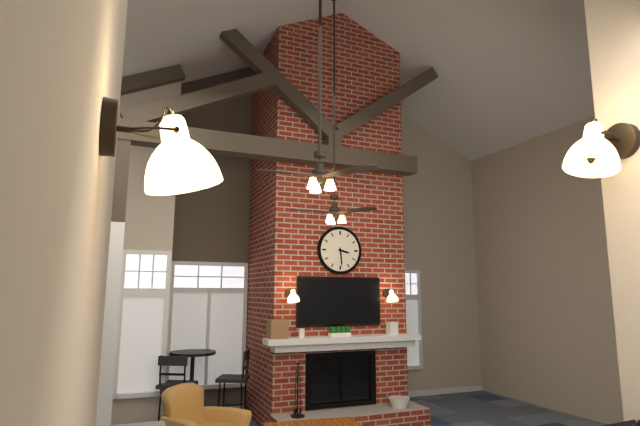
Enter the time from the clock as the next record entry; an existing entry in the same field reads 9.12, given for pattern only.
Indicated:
3.29
